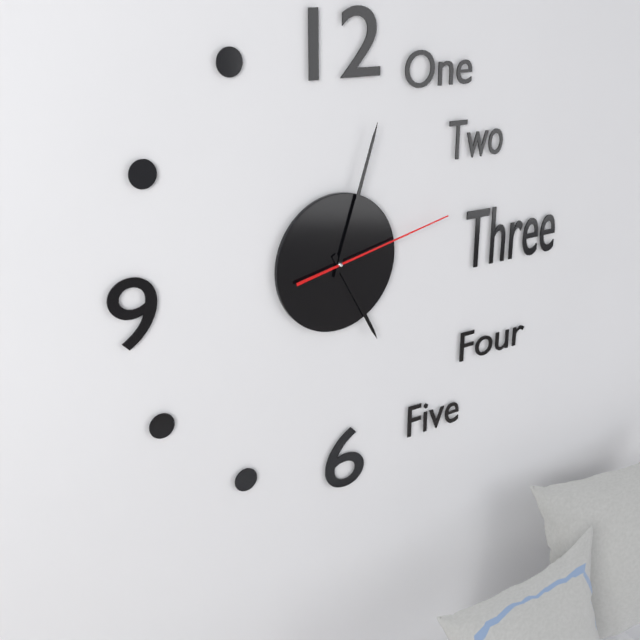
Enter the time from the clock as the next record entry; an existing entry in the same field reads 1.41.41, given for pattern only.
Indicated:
5.03.13
